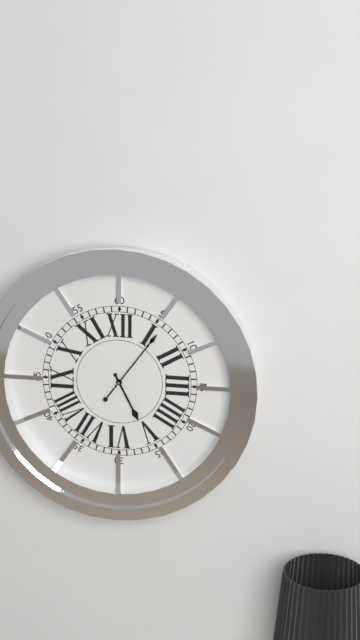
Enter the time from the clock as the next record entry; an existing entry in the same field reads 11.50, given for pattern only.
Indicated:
5.06
